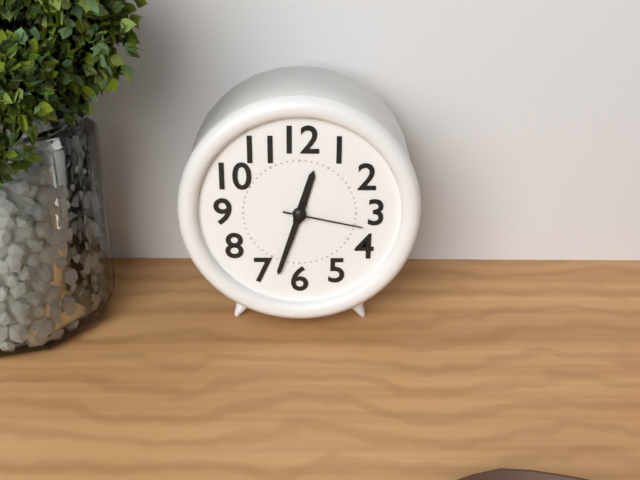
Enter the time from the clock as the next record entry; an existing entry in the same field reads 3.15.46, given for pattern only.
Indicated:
12.33.17
